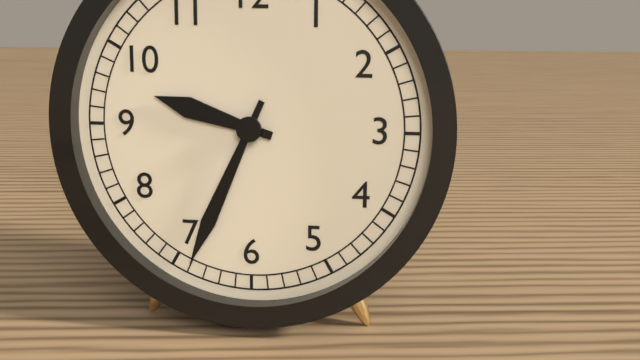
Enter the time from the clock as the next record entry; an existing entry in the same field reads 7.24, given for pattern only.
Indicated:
9.34
